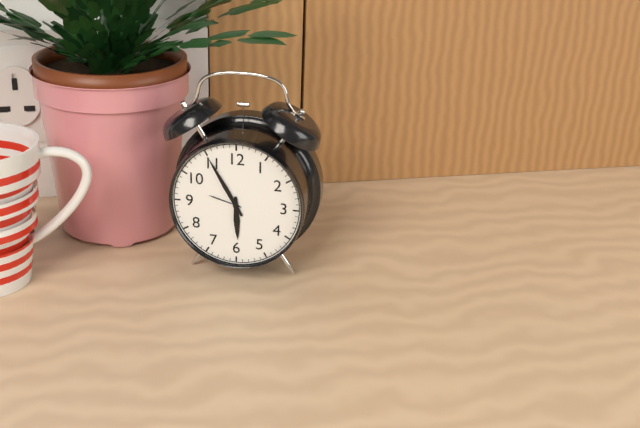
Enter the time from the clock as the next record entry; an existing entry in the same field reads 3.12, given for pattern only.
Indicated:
5.55
